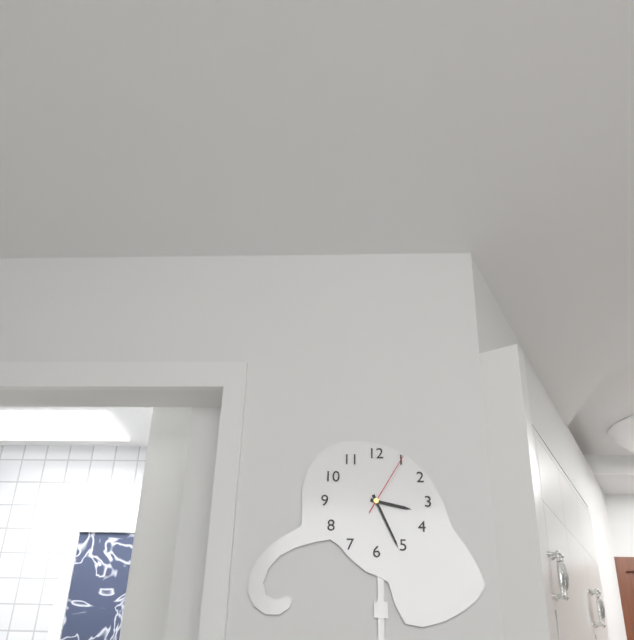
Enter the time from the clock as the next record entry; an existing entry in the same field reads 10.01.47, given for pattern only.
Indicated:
3.26.05
